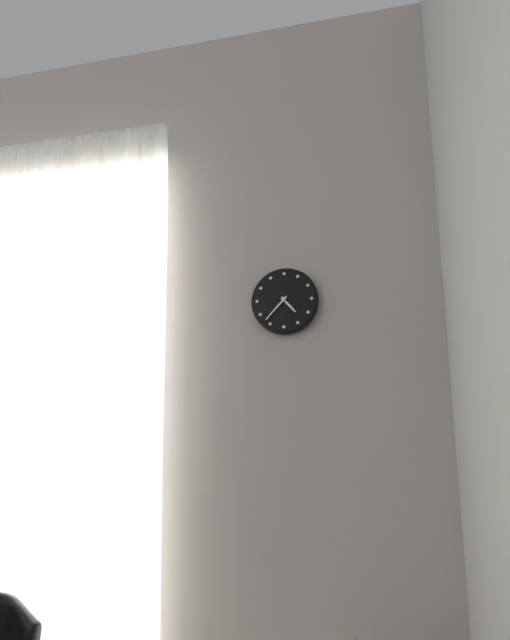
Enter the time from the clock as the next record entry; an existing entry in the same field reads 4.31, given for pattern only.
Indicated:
4.37
